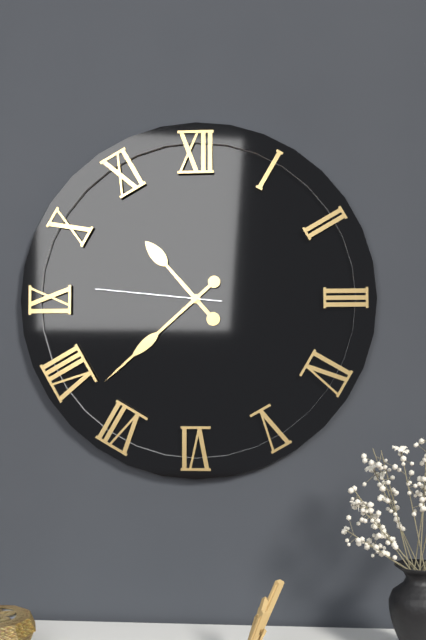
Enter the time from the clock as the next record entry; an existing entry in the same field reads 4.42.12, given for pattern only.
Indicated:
10.38.46
